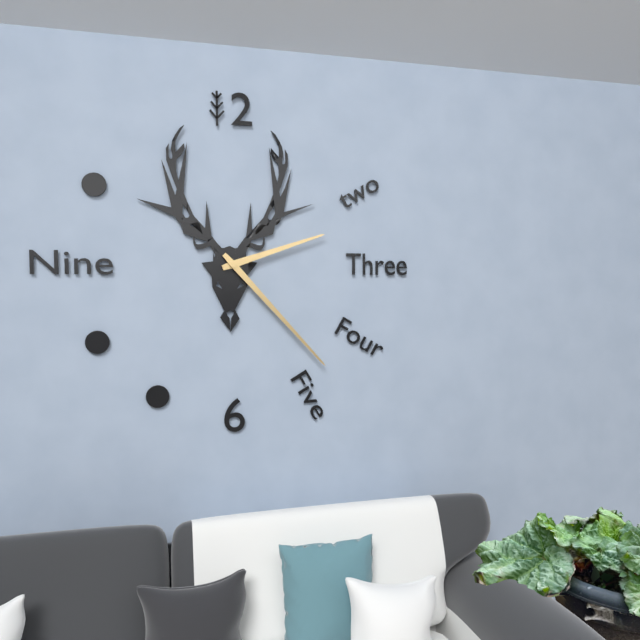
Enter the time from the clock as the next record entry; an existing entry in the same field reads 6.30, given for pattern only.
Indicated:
2.23
